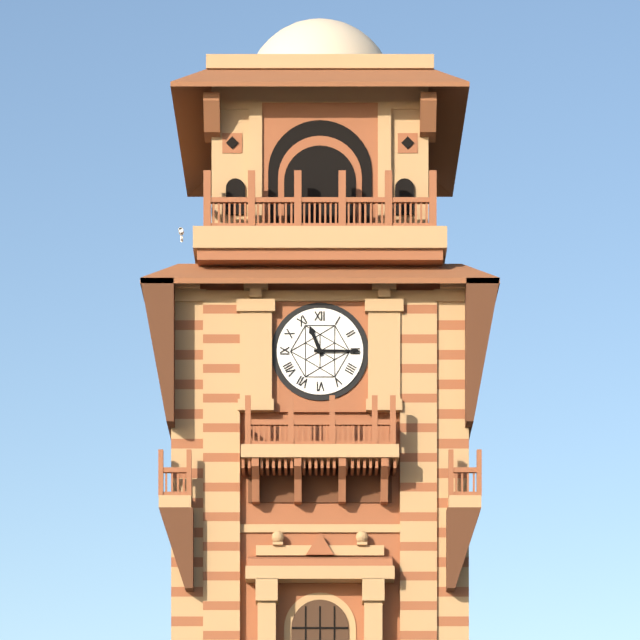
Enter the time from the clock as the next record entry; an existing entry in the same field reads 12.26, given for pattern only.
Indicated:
11.15
